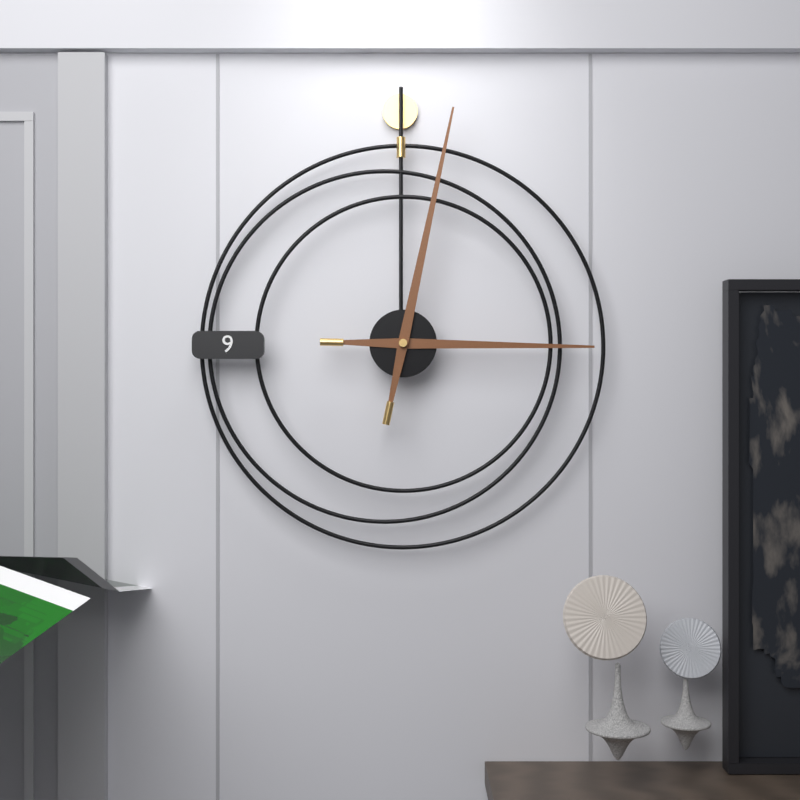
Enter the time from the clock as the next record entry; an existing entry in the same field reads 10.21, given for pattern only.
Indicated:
3.02
